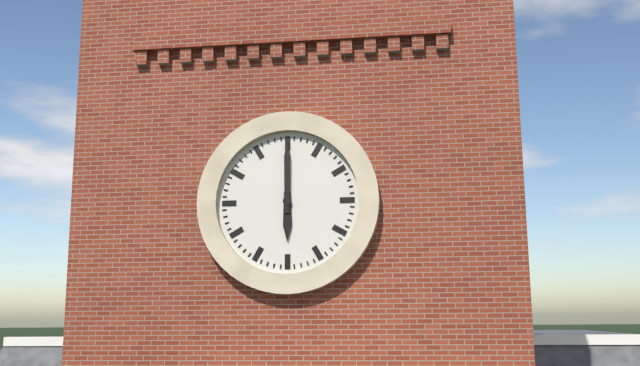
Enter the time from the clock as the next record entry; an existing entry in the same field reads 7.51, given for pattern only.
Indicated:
6.00
